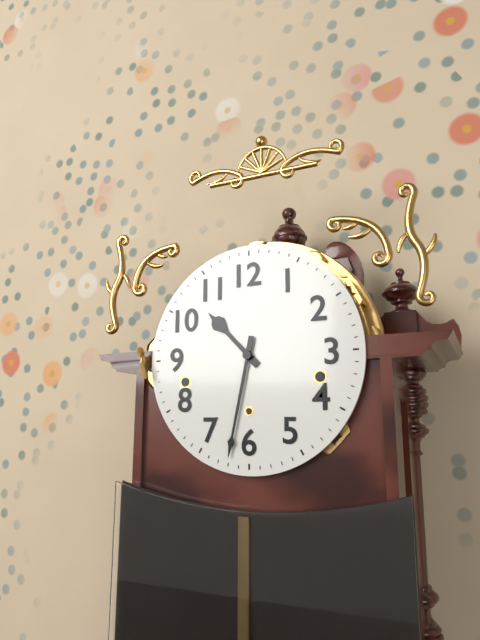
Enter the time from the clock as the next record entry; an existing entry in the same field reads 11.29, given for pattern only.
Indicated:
10.32
